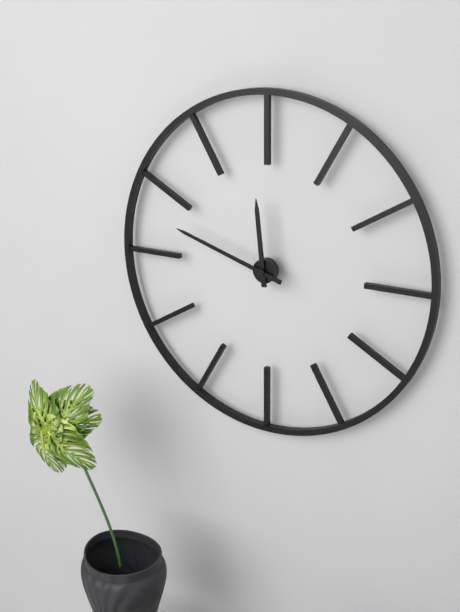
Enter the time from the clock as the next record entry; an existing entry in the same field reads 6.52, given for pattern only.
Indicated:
11.48
